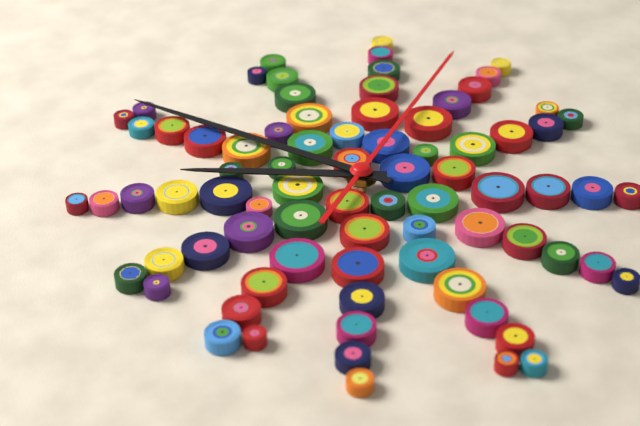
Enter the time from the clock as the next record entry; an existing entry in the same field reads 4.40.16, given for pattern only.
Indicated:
9.54.08
